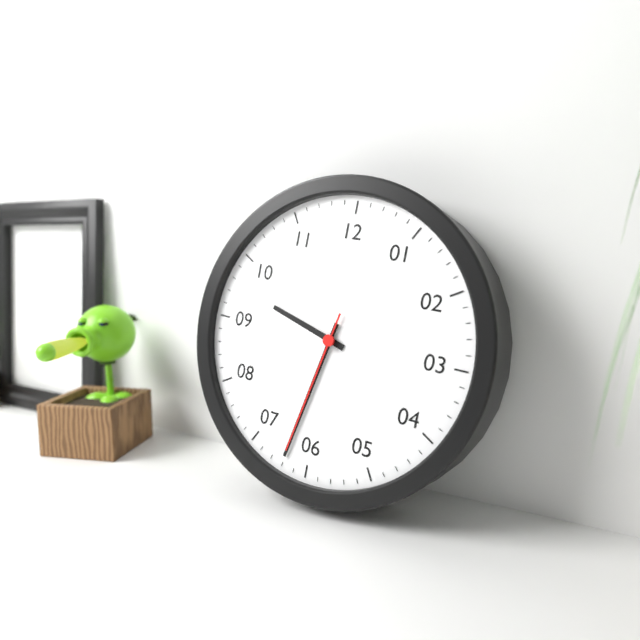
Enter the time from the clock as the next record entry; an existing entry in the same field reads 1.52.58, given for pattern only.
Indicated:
9.32.32
